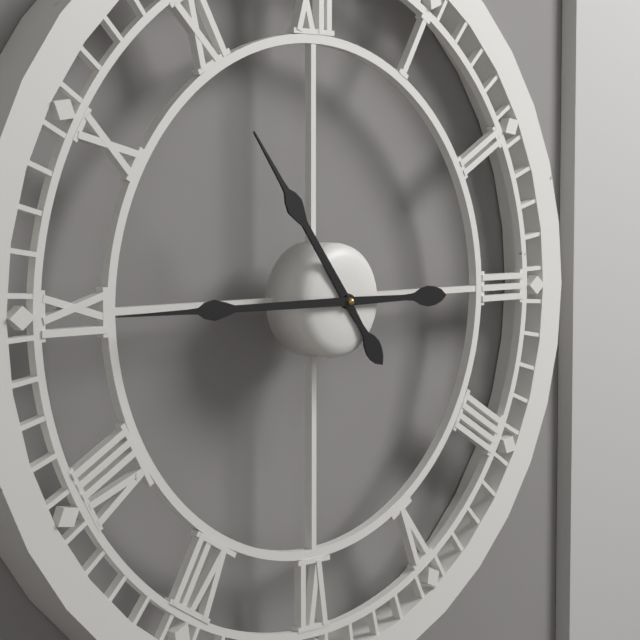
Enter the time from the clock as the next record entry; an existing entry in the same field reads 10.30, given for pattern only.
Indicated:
10.45
